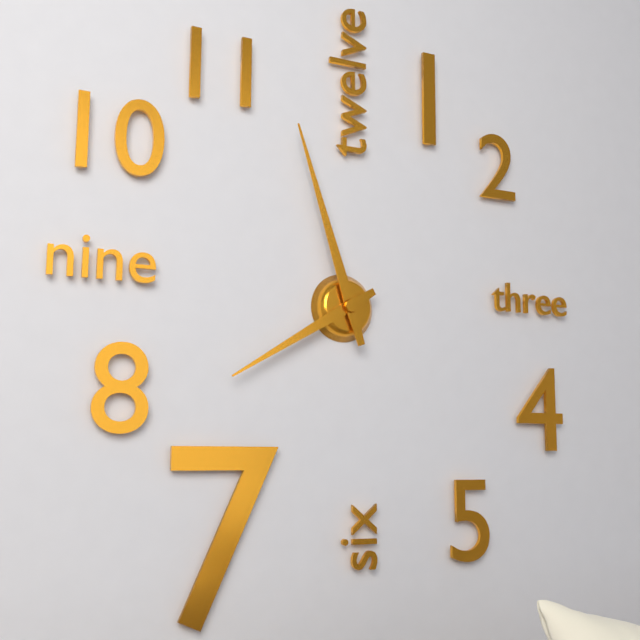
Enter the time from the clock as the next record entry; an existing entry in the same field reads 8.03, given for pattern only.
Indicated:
7.57
